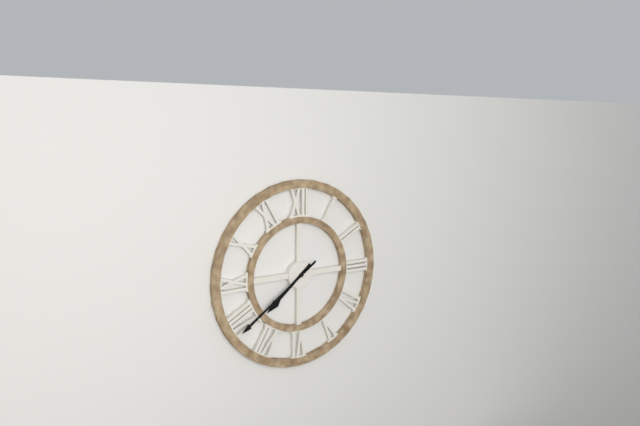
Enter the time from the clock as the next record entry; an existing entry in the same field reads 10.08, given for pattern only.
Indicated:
7.39
